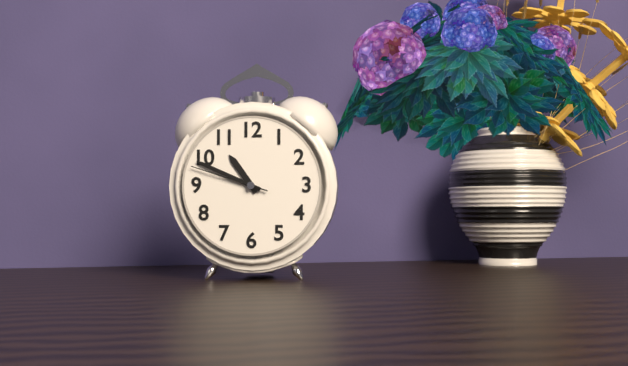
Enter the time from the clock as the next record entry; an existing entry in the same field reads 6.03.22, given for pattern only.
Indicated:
10.49.48
